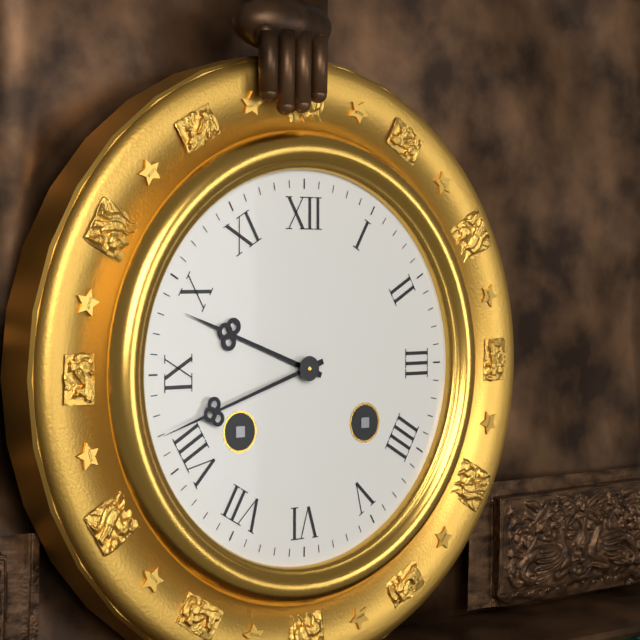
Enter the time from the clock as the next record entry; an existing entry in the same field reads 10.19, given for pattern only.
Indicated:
9.42
